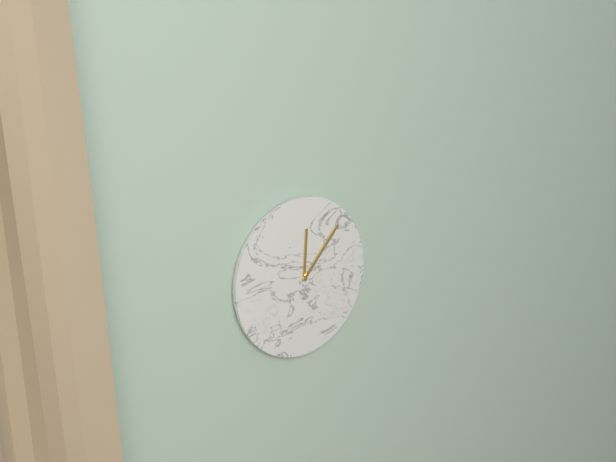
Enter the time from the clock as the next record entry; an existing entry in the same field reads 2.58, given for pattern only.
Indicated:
12.07
